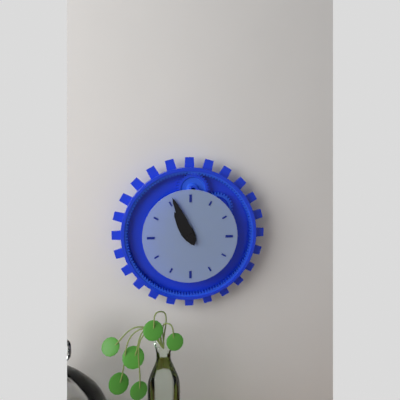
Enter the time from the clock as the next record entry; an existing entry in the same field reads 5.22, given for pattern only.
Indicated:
10.56
